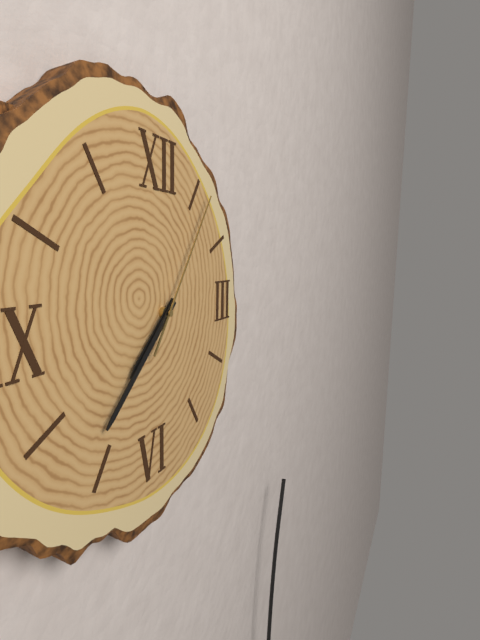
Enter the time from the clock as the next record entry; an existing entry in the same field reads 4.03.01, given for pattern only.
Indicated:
7.38.06
